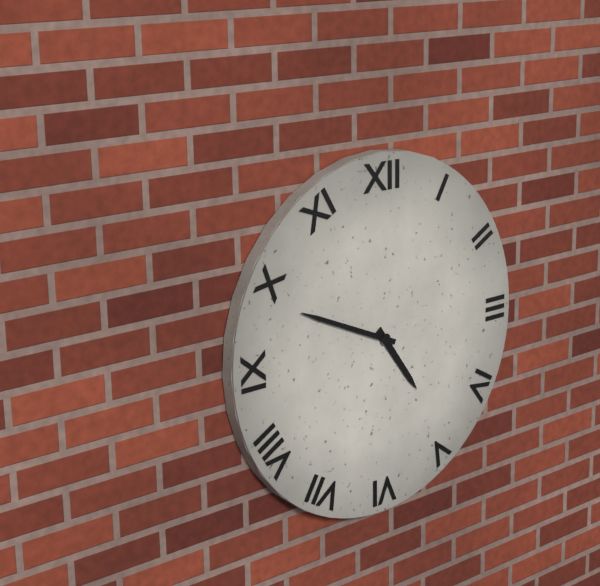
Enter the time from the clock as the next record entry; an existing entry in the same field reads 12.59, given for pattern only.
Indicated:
4.49
